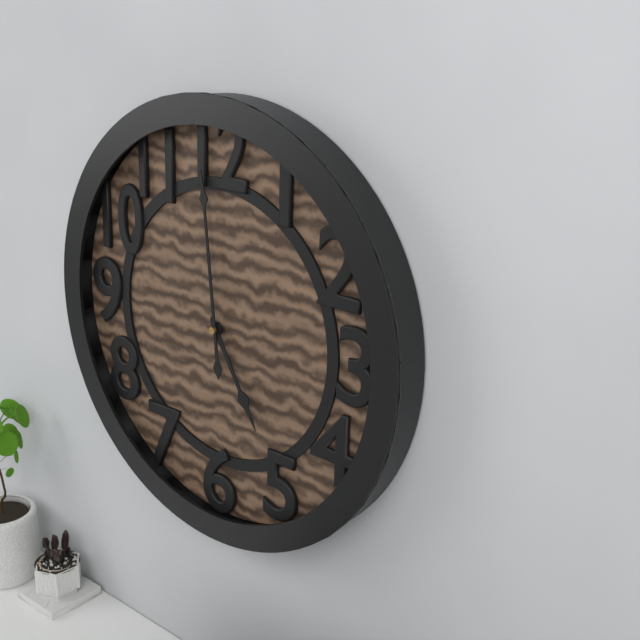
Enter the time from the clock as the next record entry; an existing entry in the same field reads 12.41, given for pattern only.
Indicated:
4.59
